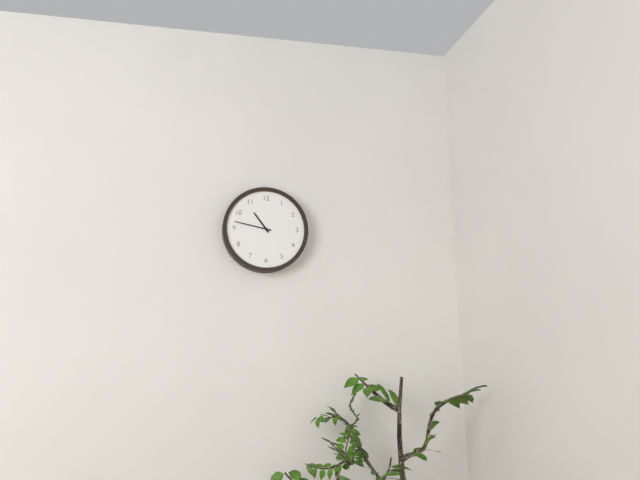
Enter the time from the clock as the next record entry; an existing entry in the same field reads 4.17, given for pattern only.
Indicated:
10.47
